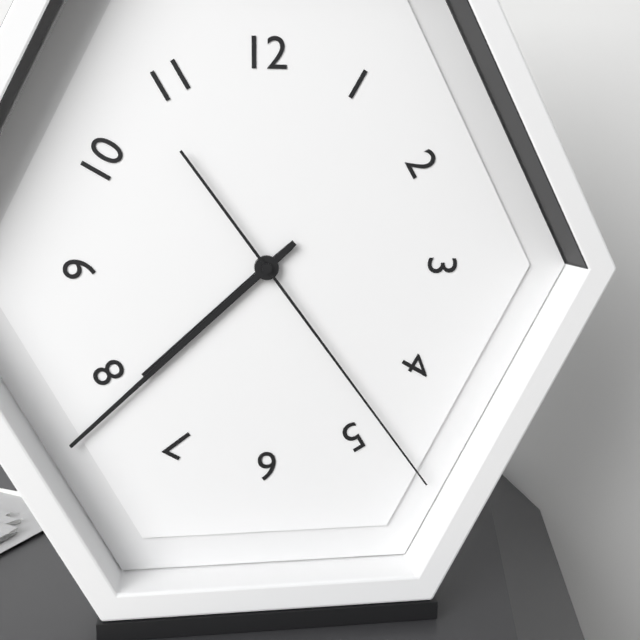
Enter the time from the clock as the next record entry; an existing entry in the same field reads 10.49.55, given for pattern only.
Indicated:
7.38.24
